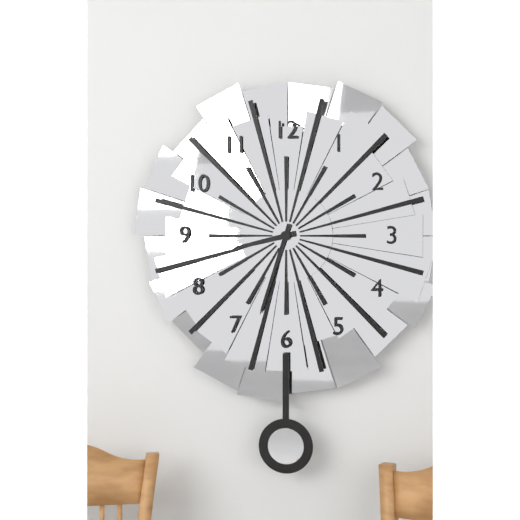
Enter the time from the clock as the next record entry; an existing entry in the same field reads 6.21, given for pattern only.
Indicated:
8.33
